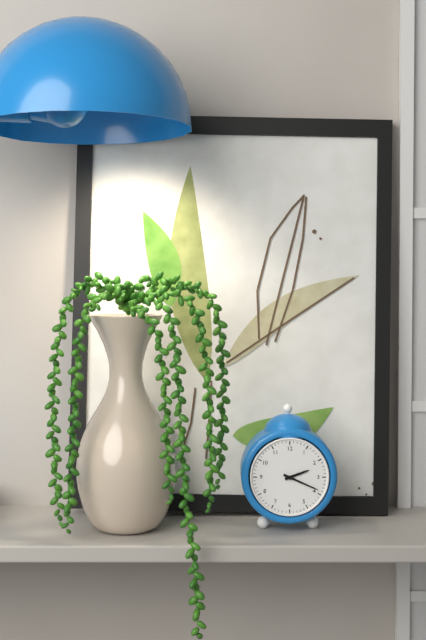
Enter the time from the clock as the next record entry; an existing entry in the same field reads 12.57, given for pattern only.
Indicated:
2.19
